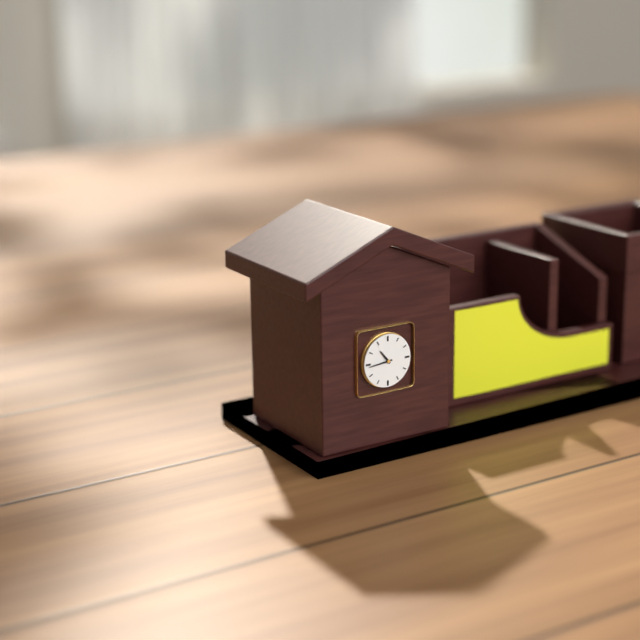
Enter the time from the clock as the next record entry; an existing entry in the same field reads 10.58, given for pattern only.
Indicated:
10.44
